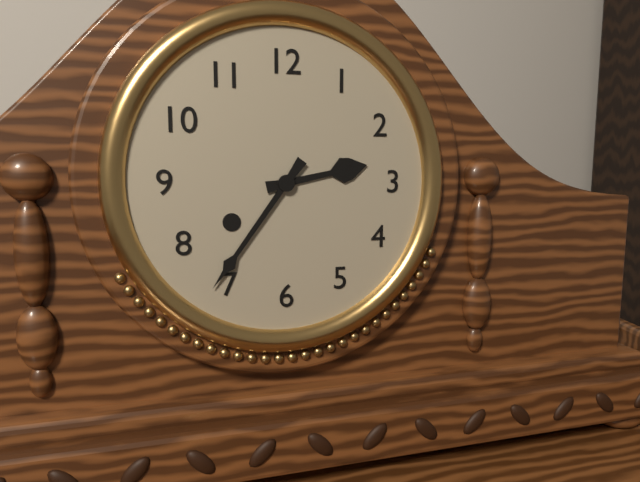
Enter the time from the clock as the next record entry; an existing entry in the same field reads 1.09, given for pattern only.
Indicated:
2.36
